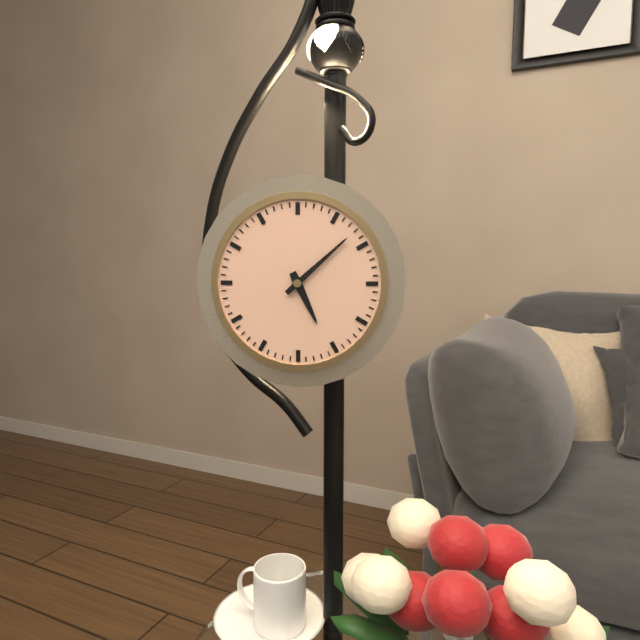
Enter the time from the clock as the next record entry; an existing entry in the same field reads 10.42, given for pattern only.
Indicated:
5.08
